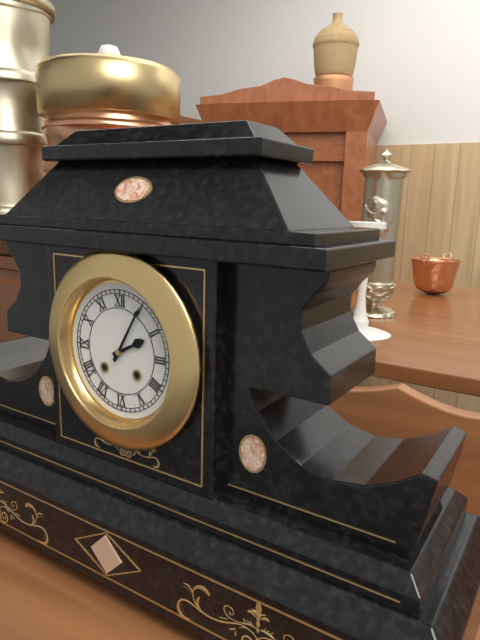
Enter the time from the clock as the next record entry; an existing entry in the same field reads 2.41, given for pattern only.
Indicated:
2.05
